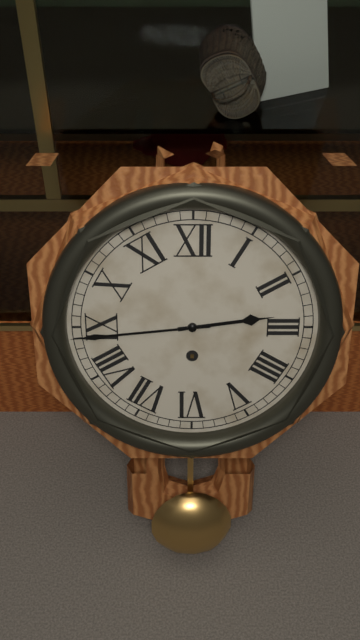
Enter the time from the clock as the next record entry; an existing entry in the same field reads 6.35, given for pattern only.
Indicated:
2.44
